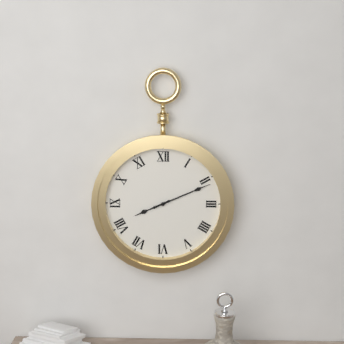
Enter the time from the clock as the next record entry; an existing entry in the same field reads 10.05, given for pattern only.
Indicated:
8.11
